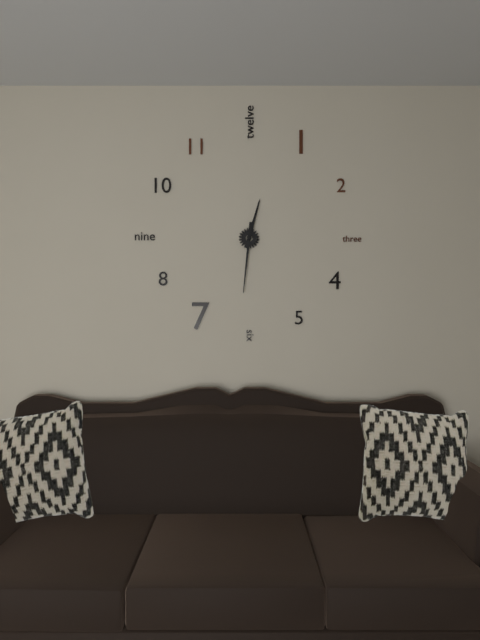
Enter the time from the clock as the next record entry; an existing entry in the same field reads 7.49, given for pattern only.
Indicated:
12.31
